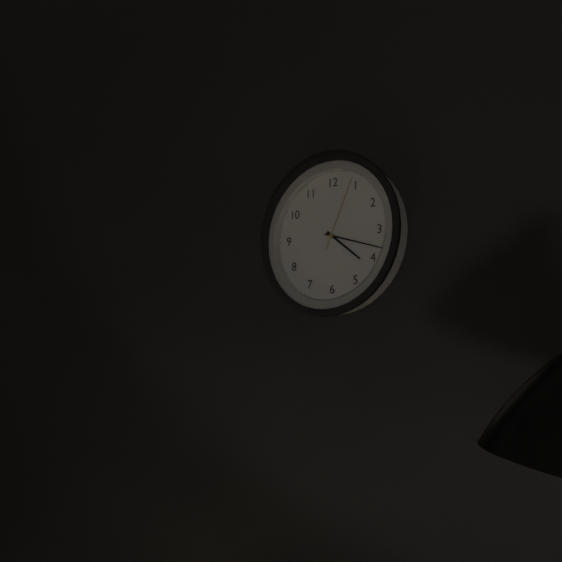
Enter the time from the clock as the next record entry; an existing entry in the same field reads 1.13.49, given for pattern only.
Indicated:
4.18.04
